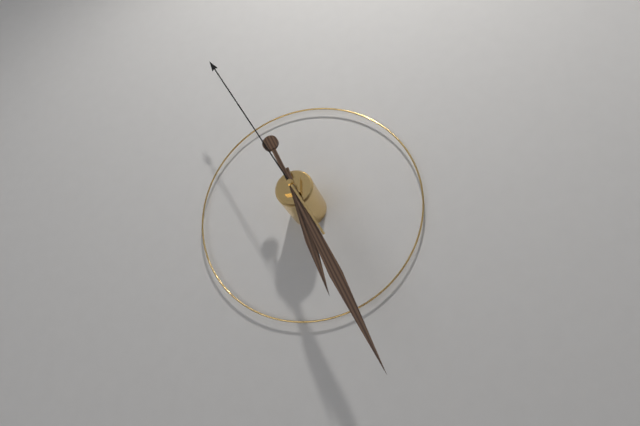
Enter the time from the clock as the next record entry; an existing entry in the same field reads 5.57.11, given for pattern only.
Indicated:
5.26.55
